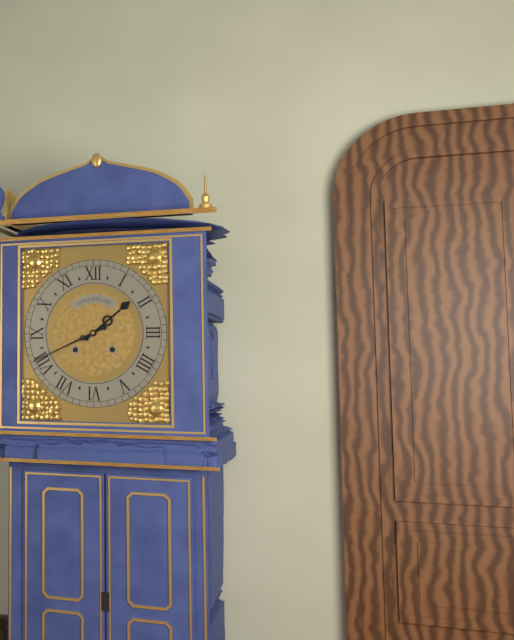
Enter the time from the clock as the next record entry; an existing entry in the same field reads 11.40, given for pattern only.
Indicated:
1.41
